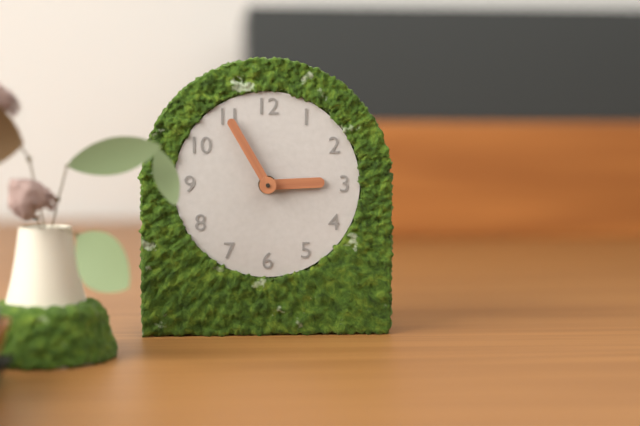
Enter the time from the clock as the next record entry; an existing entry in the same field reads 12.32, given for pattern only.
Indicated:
2.55
